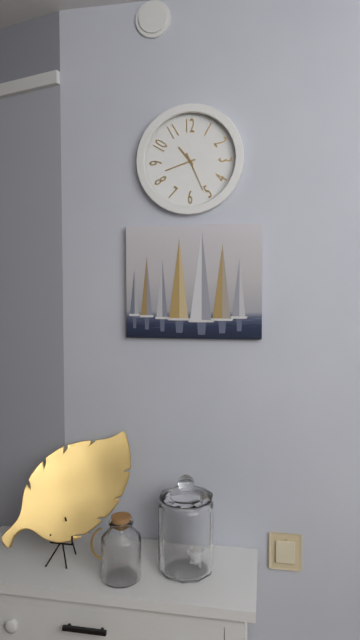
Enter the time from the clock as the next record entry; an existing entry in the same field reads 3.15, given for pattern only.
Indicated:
10.42
